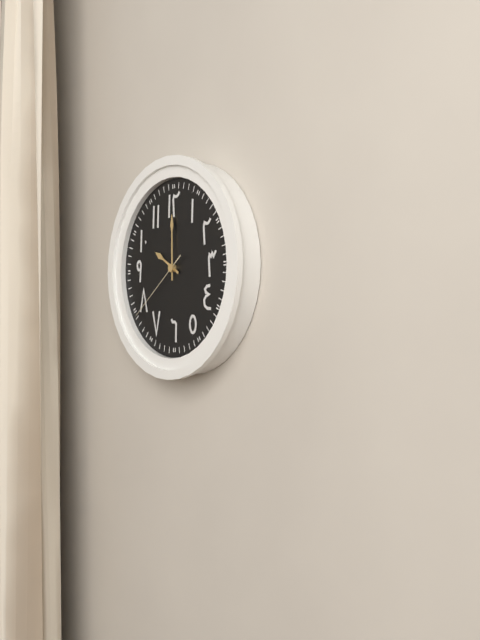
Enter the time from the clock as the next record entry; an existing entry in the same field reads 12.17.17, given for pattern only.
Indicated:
10.00.39
